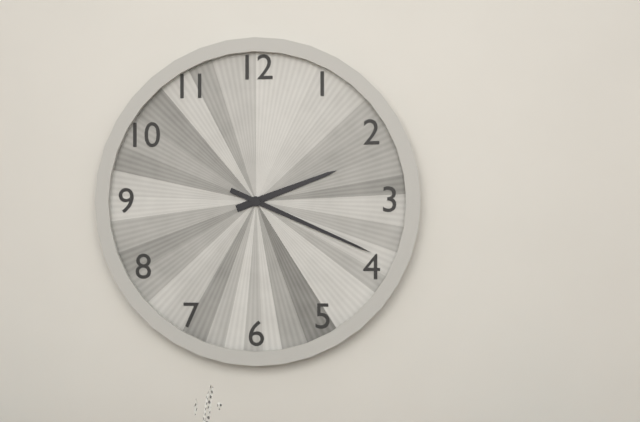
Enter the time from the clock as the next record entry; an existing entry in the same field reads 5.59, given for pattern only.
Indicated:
2.19
